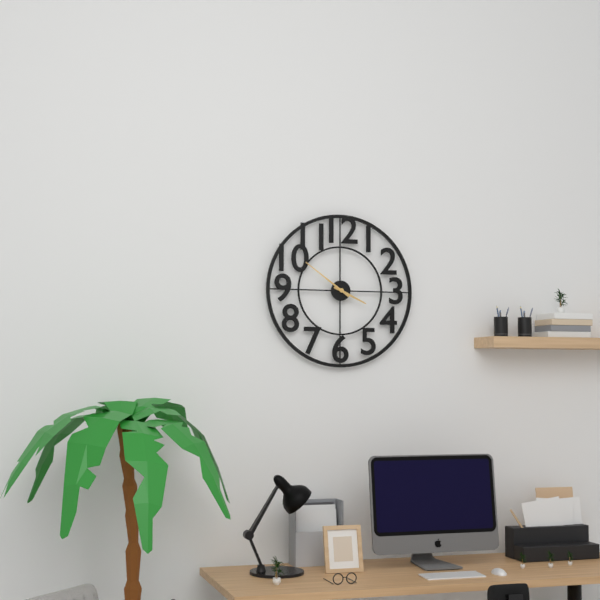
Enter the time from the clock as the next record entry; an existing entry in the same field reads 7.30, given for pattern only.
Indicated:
3.51
